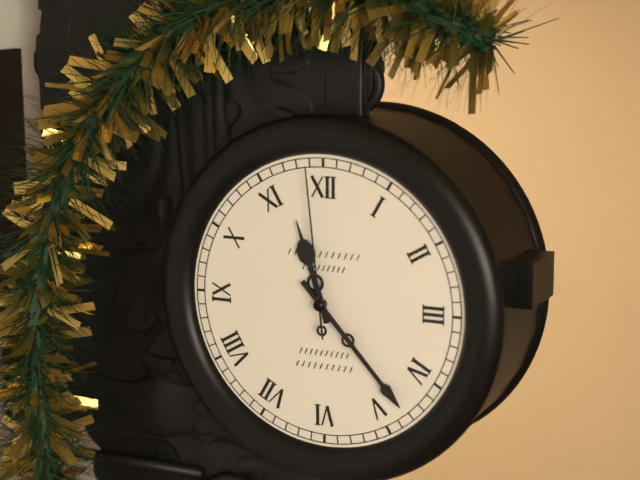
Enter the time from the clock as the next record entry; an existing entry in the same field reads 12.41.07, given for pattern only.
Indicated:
11.23.59
